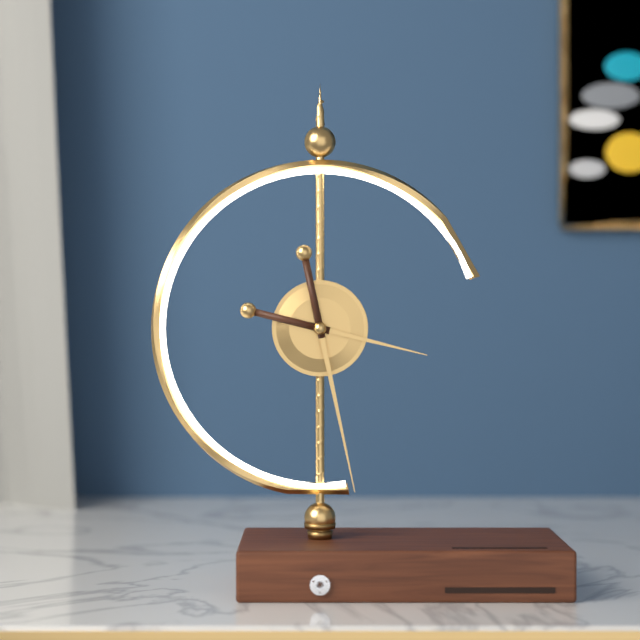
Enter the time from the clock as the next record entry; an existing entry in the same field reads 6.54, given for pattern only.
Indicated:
3.28
